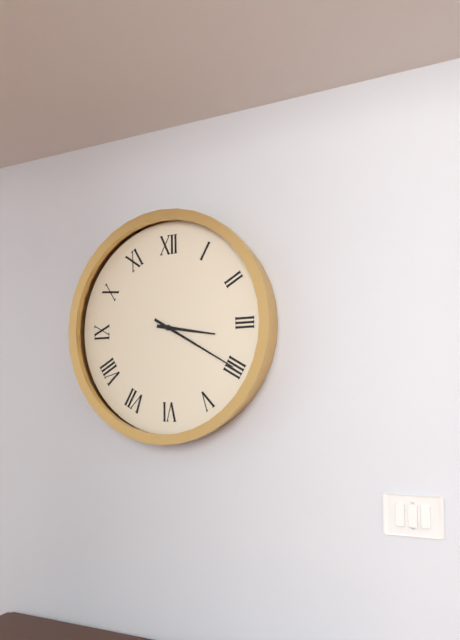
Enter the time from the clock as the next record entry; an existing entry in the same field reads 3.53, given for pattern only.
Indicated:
3.20
